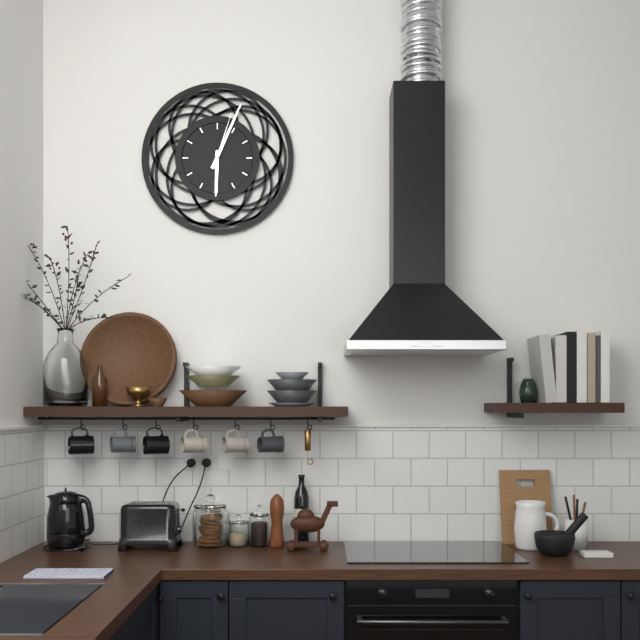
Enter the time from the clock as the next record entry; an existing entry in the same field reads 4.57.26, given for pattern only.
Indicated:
6.04.03
